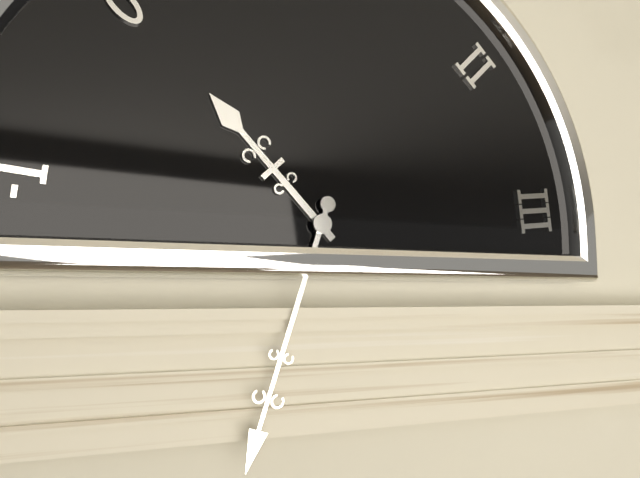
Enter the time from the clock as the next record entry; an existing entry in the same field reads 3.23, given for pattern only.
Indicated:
10.33
